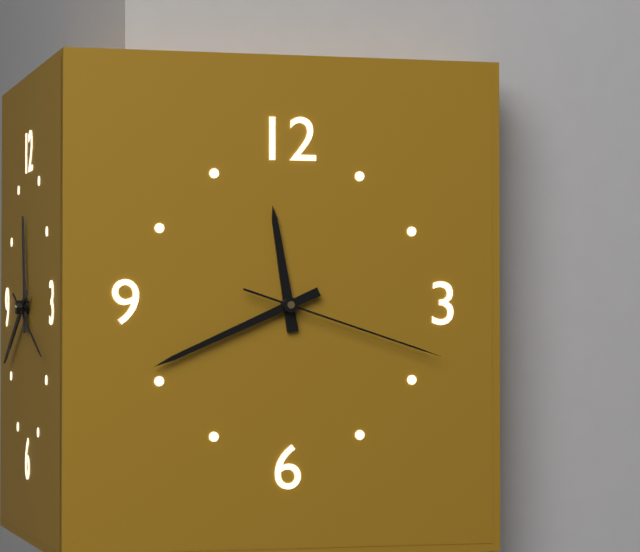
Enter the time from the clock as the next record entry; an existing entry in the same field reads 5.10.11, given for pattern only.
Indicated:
11.41.18
